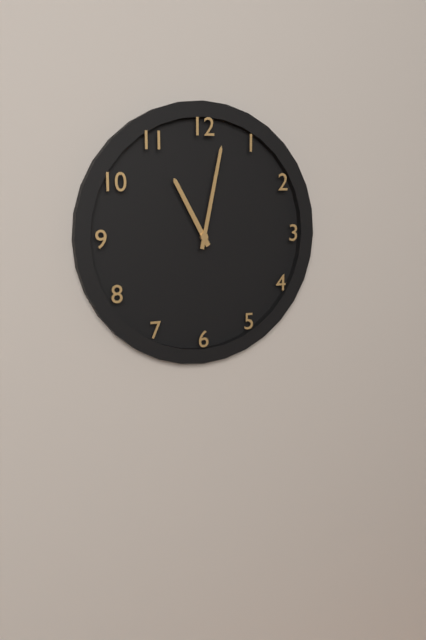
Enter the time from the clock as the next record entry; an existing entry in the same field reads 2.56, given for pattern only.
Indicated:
11.02
